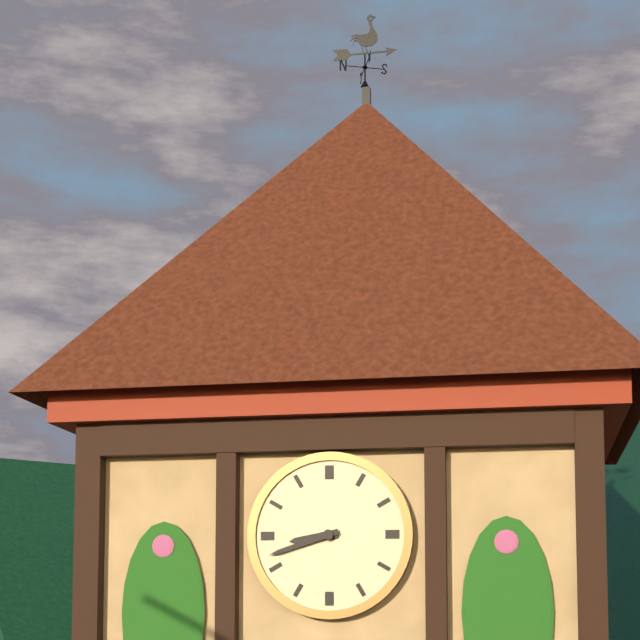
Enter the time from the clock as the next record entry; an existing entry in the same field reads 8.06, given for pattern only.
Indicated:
8.42
